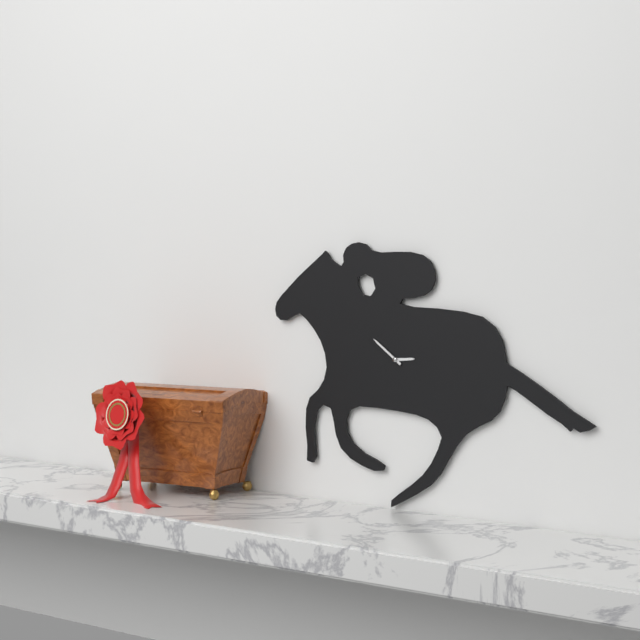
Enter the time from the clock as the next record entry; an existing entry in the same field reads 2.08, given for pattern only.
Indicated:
2.51
